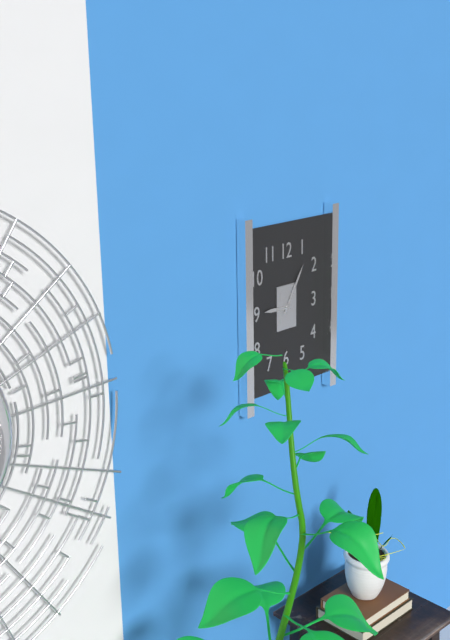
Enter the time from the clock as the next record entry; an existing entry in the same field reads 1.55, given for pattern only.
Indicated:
9.05
